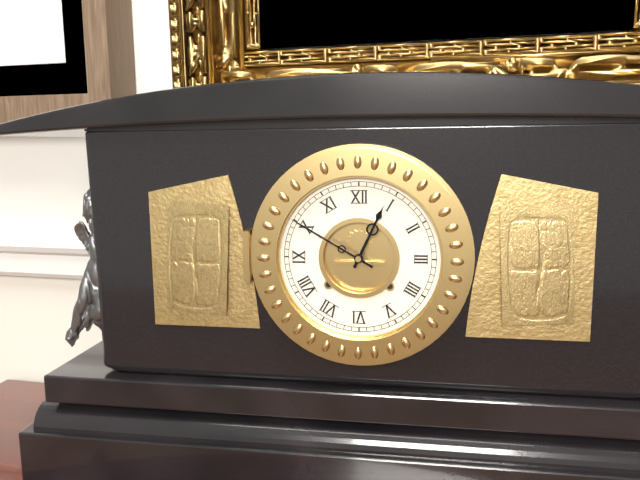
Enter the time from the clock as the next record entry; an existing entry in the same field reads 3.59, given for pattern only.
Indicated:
12.50
